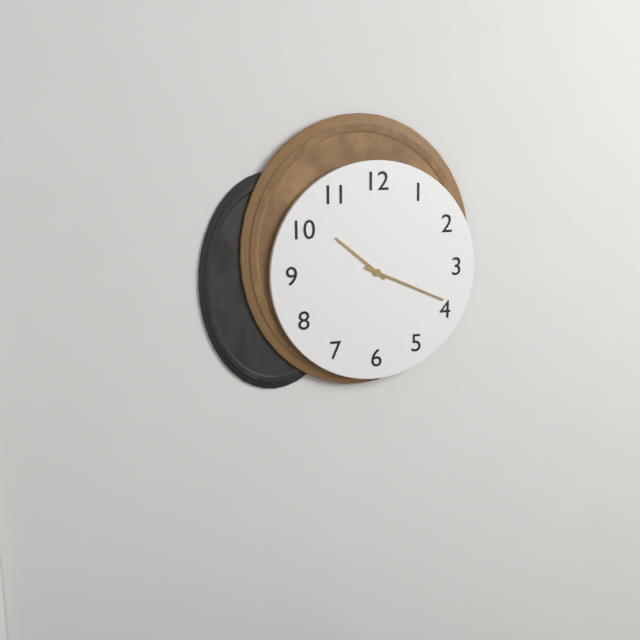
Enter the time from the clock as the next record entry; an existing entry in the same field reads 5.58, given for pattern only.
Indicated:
10.19
